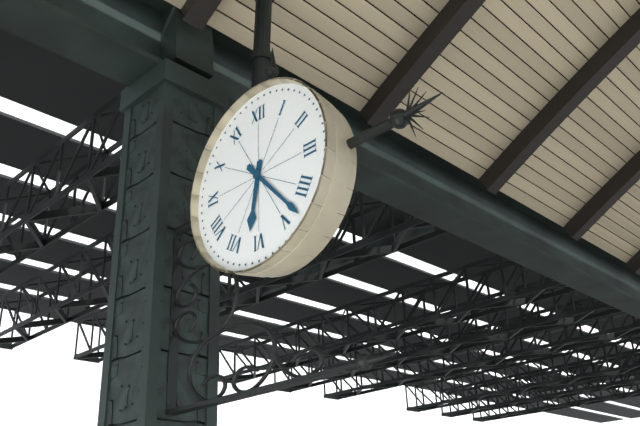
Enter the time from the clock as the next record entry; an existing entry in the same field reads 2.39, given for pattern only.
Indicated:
6.23
